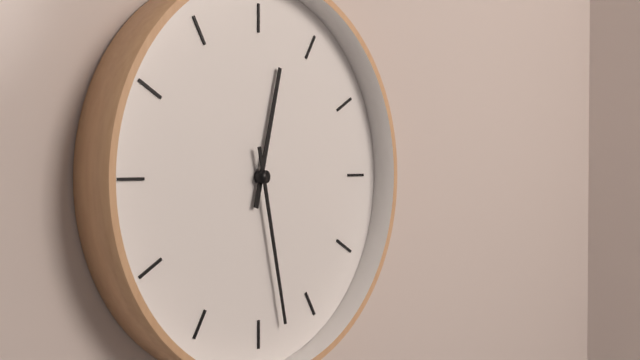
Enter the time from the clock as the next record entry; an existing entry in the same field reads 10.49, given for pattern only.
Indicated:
12.28
